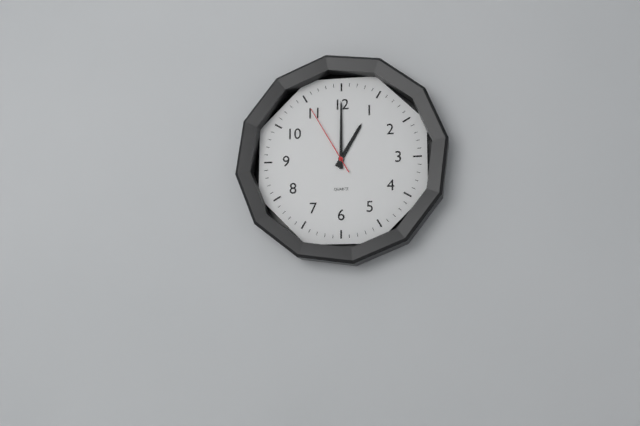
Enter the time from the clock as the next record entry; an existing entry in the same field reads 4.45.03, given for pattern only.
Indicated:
1.00.55
